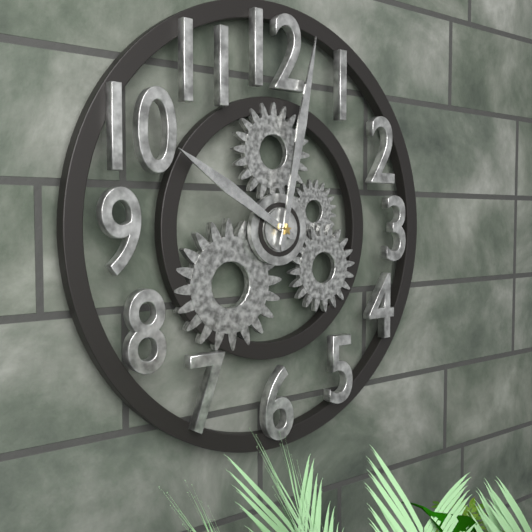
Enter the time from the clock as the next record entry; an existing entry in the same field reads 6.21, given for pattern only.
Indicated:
10.02
